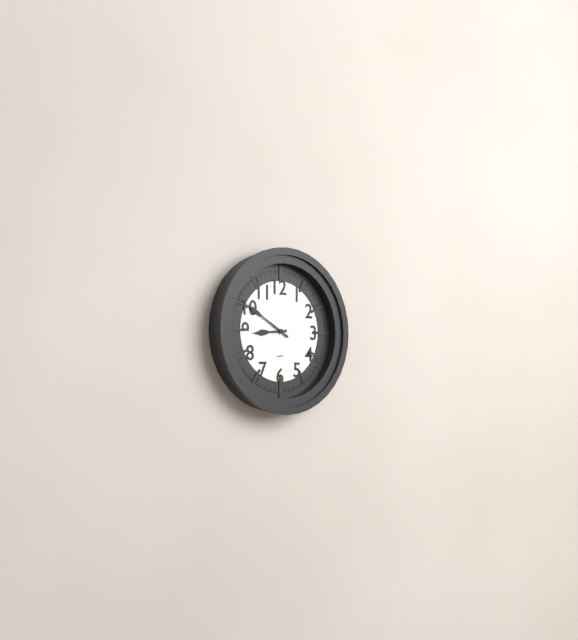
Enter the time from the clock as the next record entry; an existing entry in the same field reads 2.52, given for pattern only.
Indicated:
8.50
